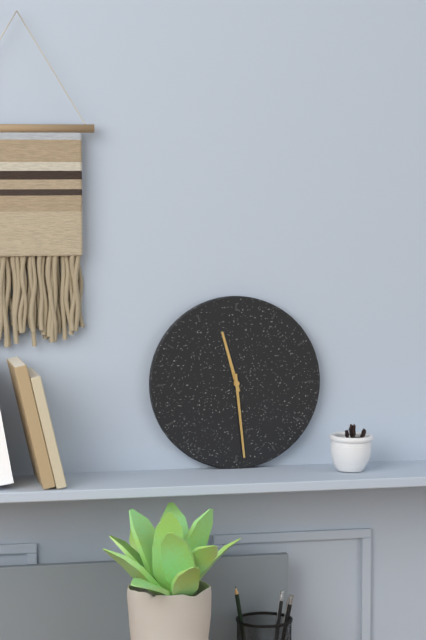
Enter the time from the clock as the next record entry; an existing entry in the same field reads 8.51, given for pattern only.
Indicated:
11.29
